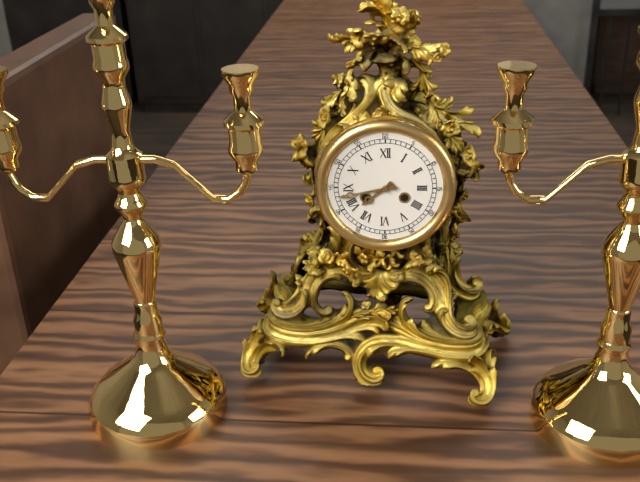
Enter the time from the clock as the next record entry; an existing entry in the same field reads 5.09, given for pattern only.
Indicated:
7.43
